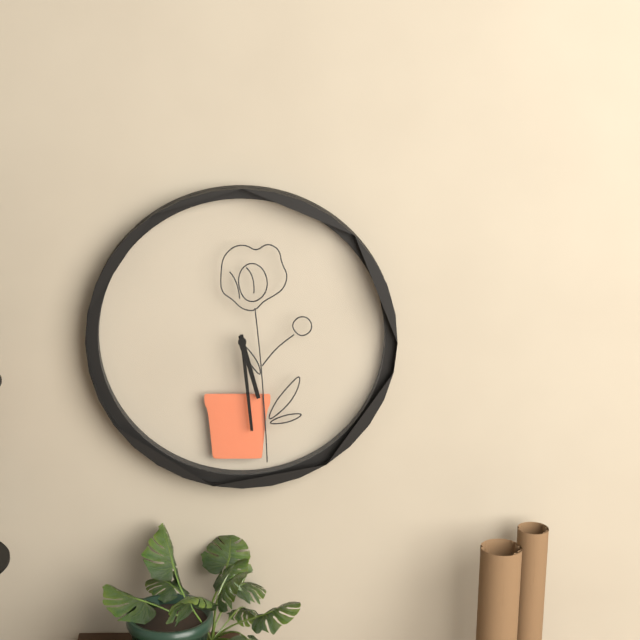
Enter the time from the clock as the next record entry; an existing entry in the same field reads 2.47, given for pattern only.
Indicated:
5.29
